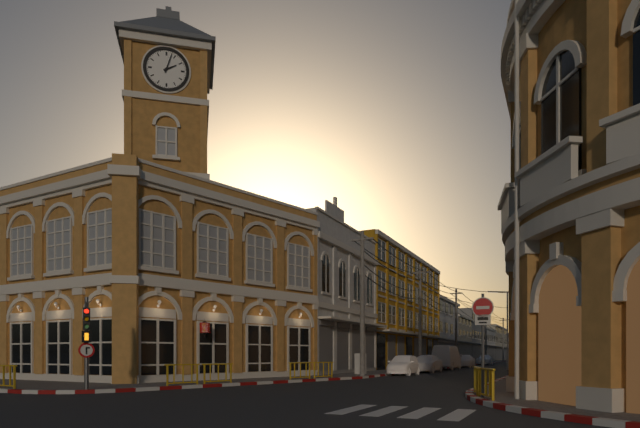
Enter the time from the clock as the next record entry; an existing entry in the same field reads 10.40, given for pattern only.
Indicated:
2.03
